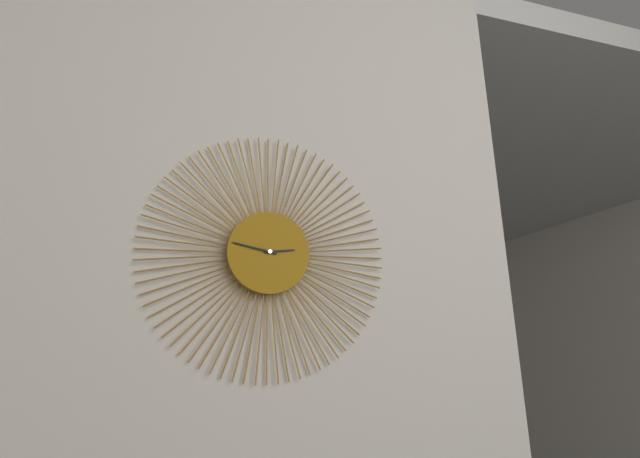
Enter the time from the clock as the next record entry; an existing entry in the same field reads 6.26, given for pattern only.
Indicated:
2.47
